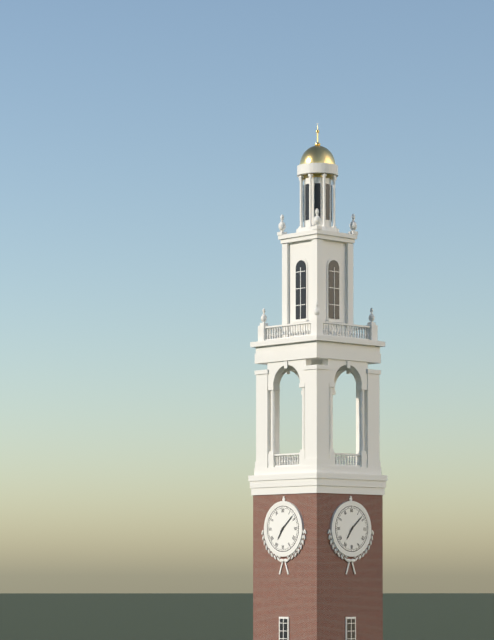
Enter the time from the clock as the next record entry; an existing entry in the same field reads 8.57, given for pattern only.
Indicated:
7.08
